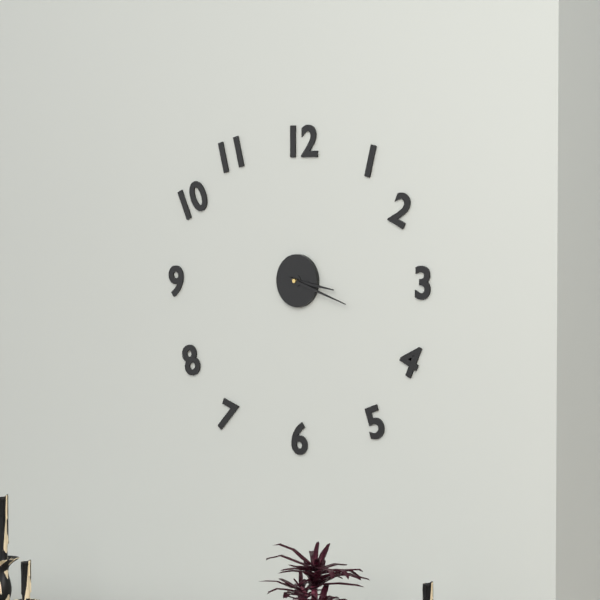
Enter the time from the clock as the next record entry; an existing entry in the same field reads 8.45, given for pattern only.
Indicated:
3.18
